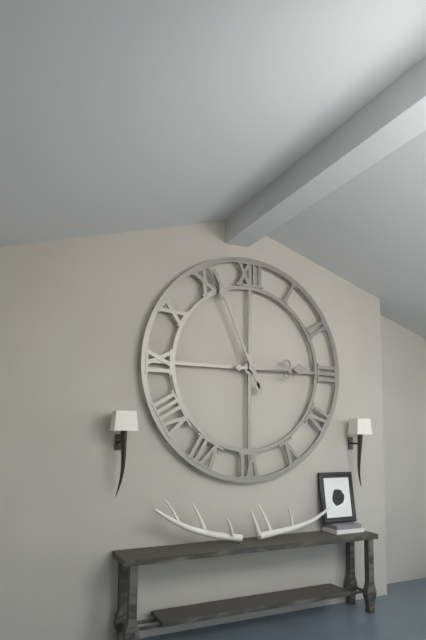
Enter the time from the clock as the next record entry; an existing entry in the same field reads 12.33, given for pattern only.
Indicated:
2.56
